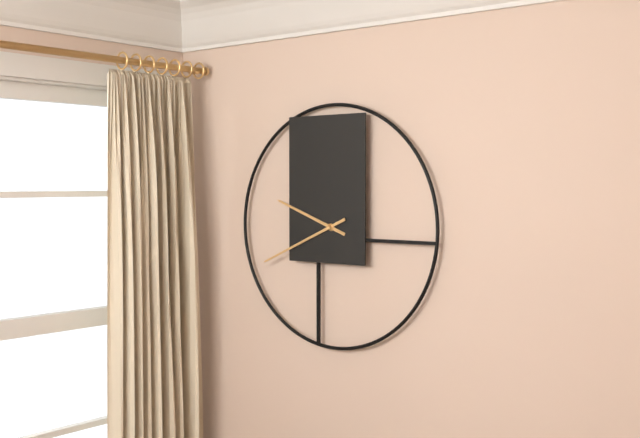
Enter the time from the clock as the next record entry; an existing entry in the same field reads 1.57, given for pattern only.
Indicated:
9.41
